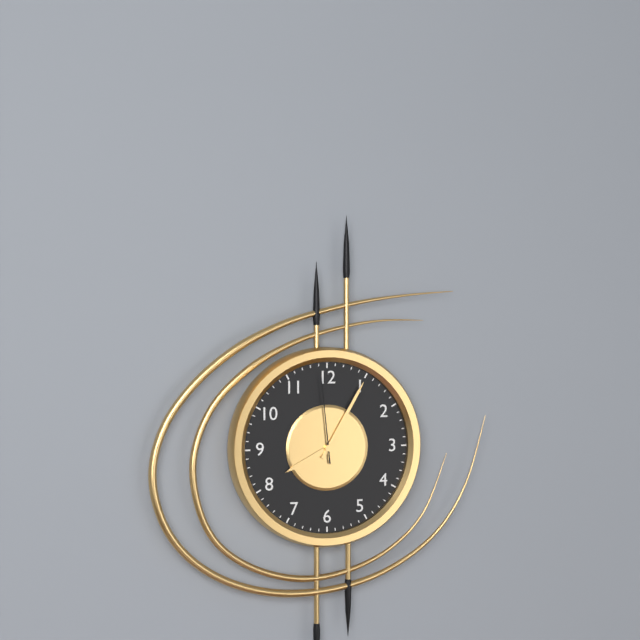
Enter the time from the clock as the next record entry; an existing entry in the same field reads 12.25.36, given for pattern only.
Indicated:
8.05.59
